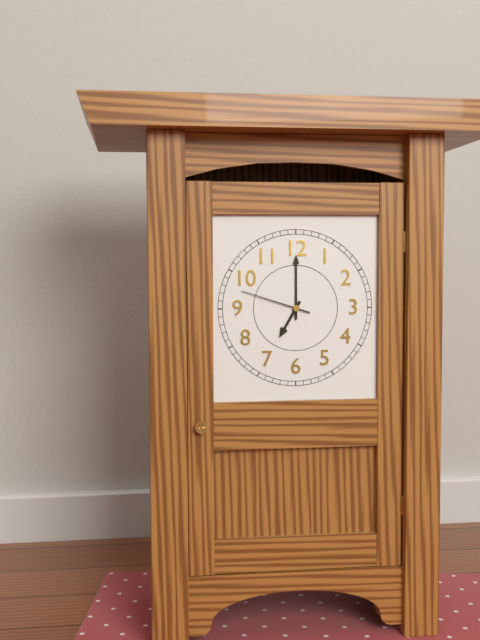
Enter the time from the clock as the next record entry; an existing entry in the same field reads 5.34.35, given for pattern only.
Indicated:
7.00.48
